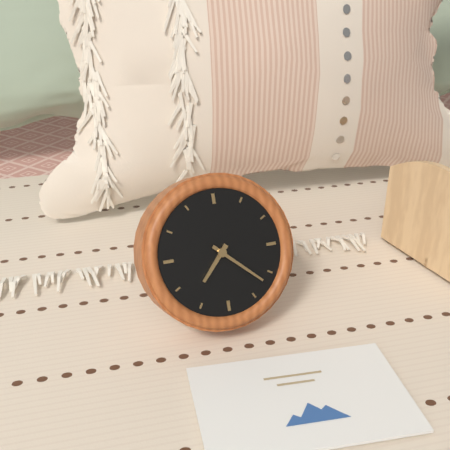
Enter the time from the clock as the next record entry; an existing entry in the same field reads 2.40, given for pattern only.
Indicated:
7.22
